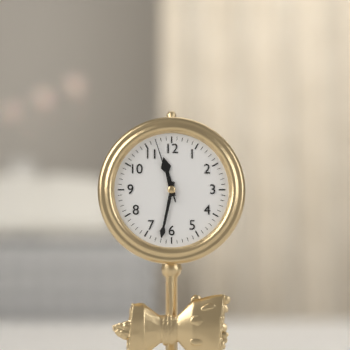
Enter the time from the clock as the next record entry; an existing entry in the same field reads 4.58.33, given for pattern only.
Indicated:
11.32.57
